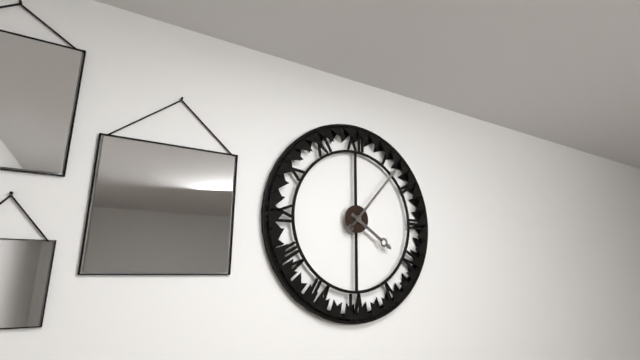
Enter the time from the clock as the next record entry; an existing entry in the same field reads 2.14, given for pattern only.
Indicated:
4.07
